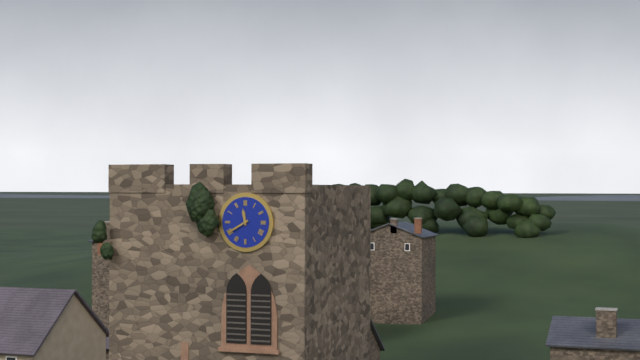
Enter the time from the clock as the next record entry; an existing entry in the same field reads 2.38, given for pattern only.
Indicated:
11.40
